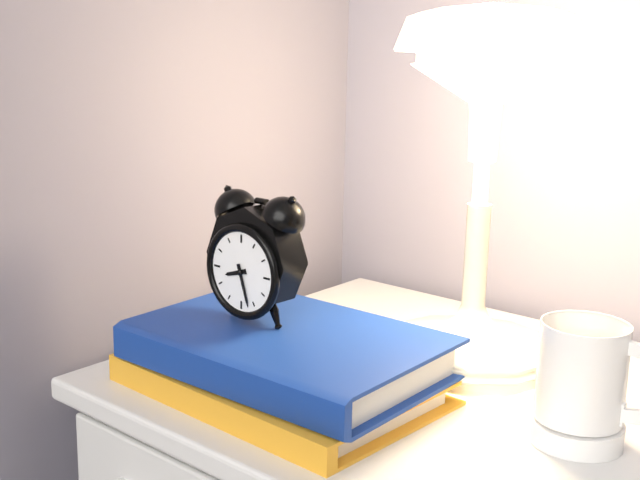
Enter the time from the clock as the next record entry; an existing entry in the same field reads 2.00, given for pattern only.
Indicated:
8.27
